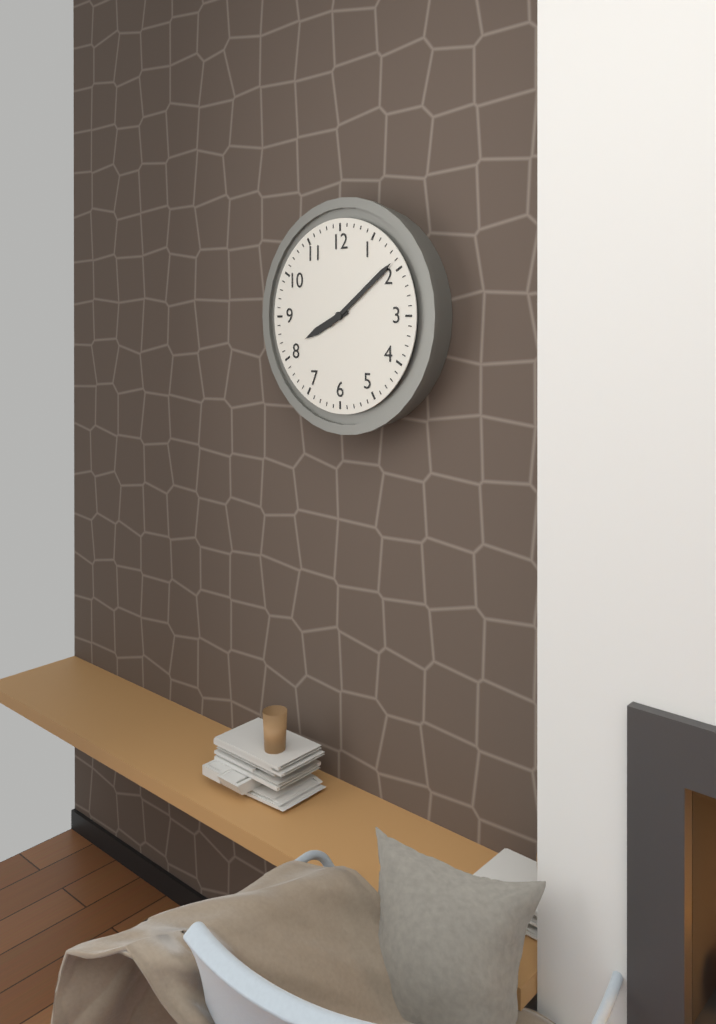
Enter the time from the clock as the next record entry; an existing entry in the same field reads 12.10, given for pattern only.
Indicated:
8.09
